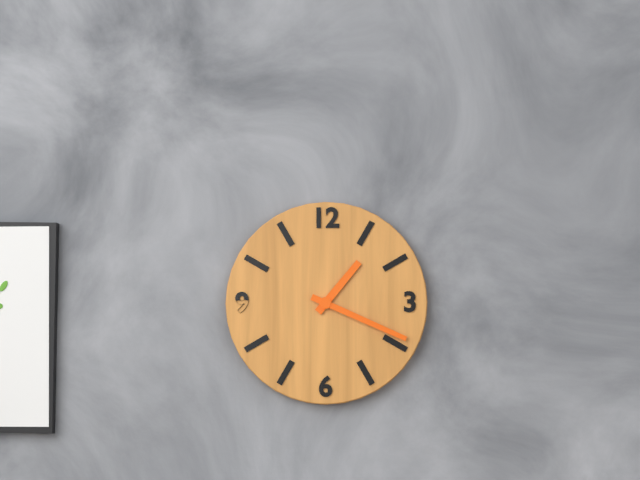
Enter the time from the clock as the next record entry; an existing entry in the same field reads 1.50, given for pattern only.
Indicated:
1.19
